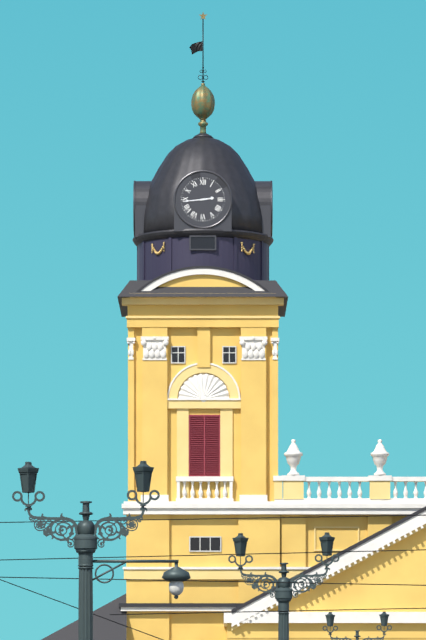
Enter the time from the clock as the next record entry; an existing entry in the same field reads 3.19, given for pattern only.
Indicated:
2.44
